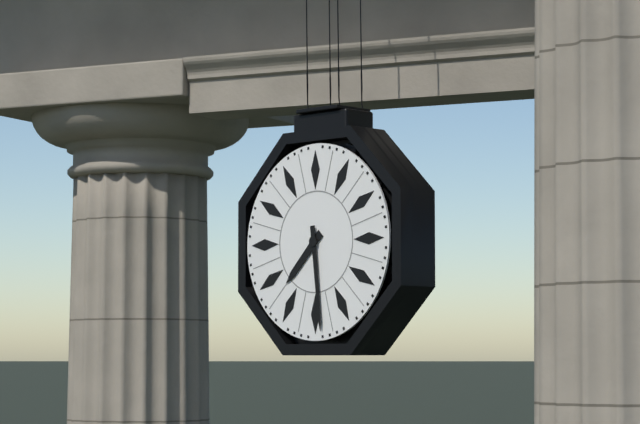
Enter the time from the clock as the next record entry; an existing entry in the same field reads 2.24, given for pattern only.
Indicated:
7.29
